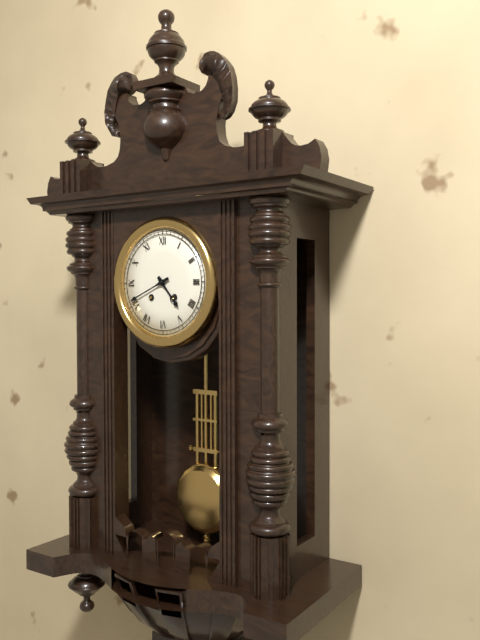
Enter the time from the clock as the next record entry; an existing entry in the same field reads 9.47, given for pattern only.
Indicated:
4.41
